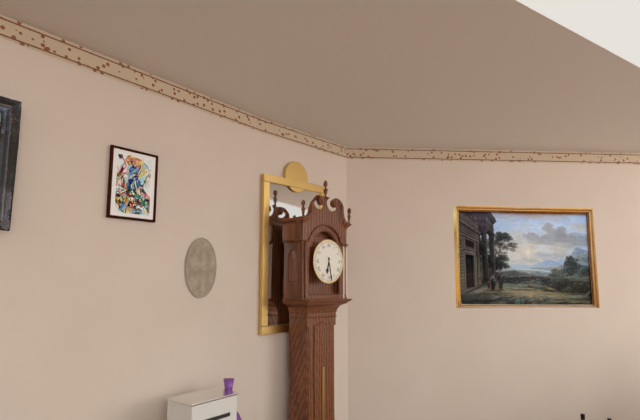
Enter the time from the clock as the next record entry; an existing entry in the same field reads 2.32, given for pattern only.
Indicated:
6.28
